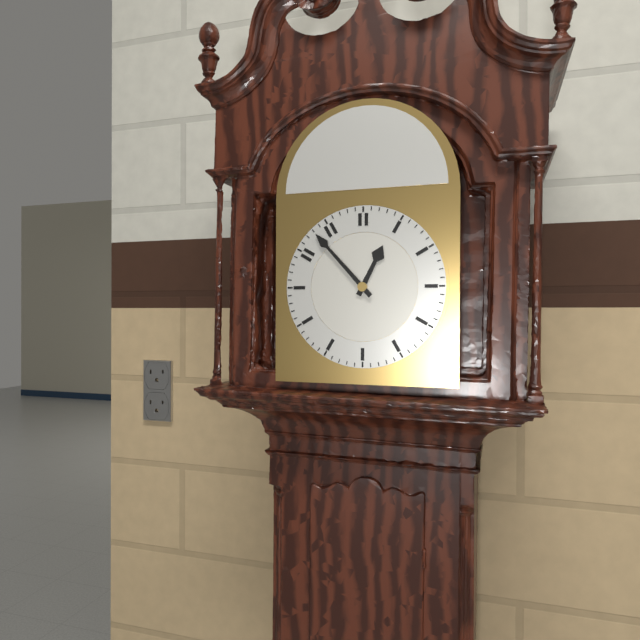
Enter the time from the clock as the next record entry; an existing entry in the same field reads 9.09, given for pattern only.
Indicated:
12.53
